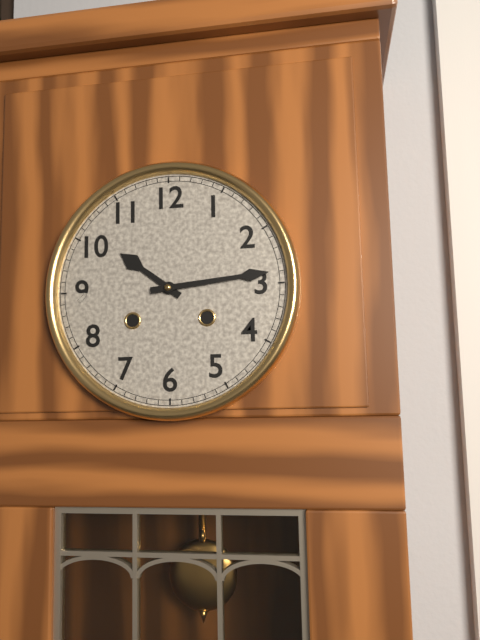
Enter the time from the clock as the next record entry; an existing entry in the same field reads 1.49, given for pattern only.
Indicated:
10.14
